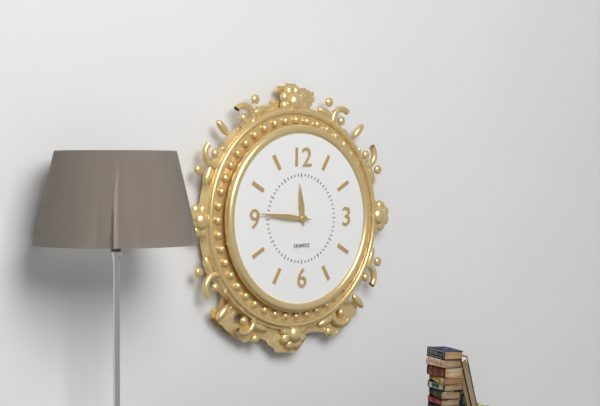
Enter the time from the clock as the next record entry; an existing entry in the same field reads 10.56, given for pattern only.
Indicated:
11.46
